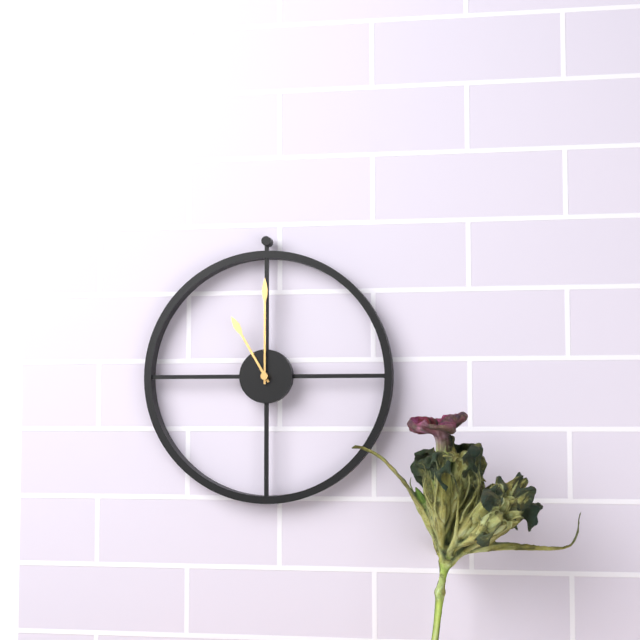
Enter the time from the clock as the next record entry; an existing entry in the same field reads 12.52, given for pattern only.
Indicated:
11.00
